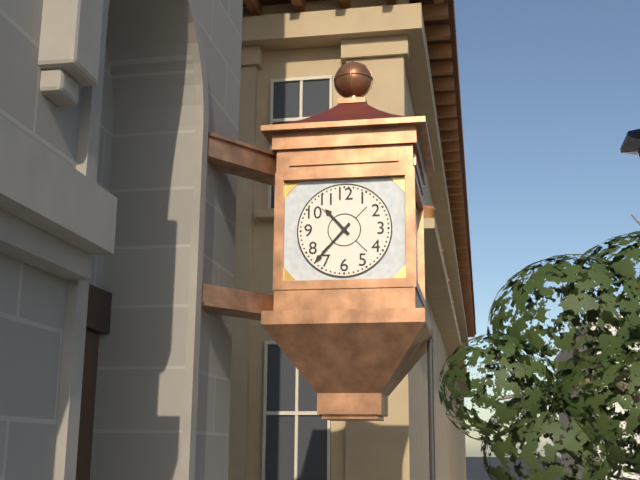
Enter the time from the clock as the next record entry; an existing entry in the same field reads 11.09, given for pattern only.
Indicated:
10.37
